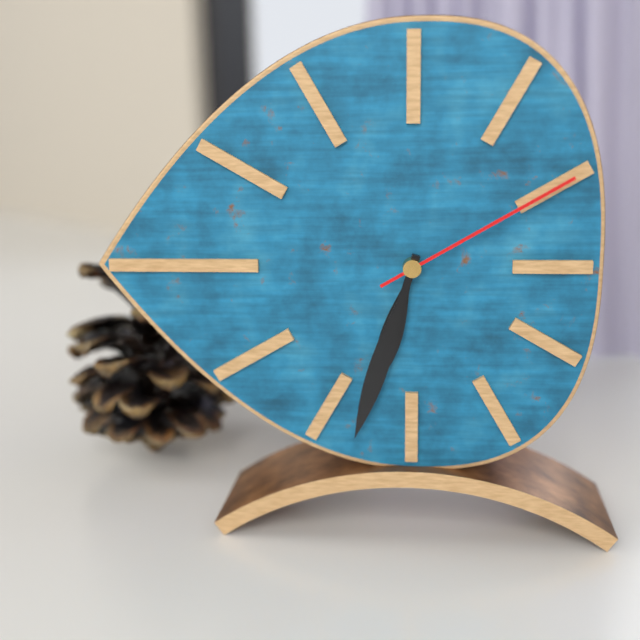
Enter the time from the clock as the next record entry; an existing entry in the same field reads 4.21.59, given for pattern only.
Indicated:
6.33.10
